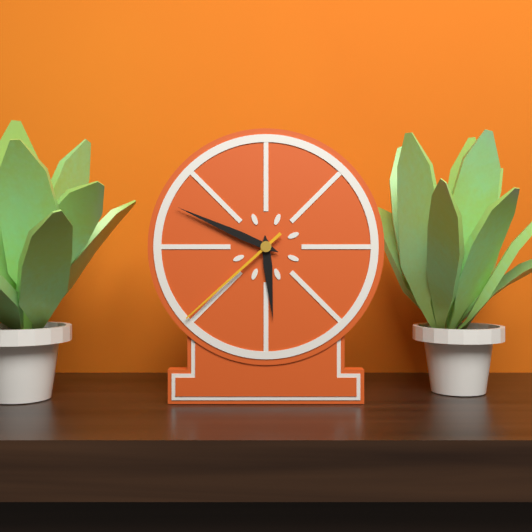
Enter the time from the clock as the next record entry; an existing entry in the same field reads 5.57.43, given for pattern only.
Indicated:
5.49.38
